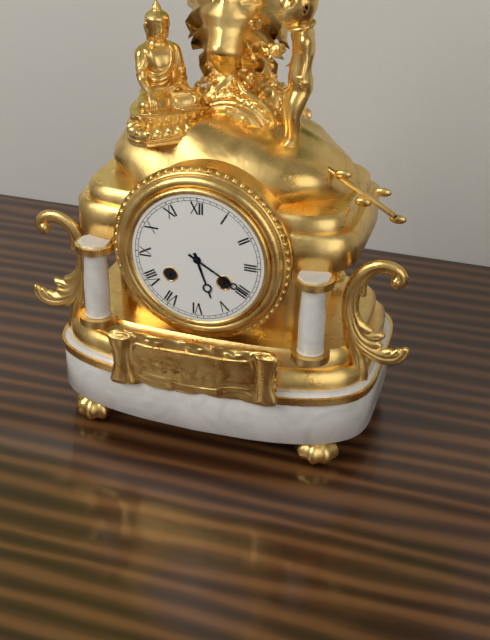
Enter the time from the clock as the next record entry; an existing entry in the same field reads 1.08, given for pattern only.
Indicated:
5.20
